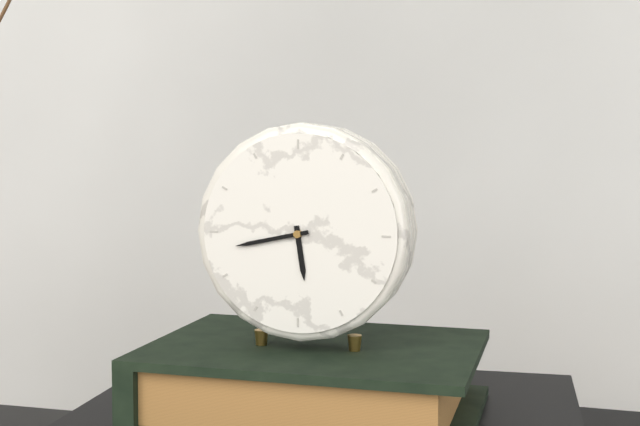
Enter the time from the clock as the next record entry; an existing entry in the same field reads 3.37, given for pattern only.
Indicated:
5.43
